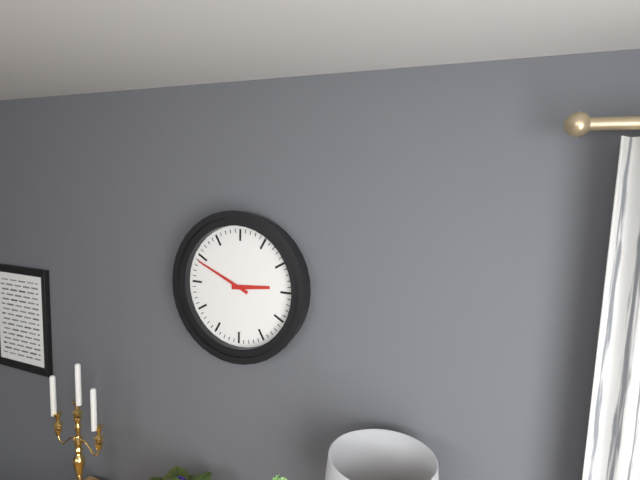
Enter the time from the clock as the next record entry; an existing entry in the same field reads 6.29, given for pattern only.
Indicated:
2.49
